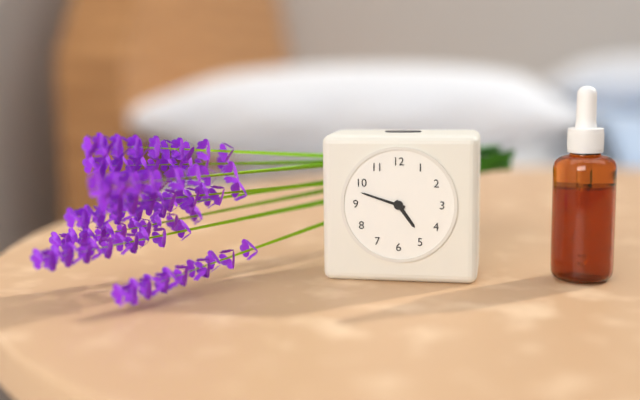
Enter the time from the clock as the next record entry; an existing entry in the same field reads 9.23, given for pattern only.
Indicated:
4.48
